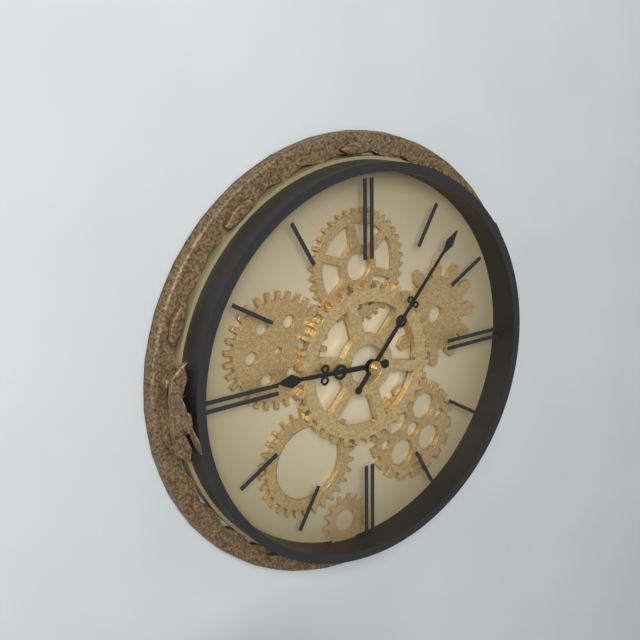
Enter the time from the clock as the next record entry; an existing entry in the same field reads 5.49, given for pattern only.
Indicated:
9.07
